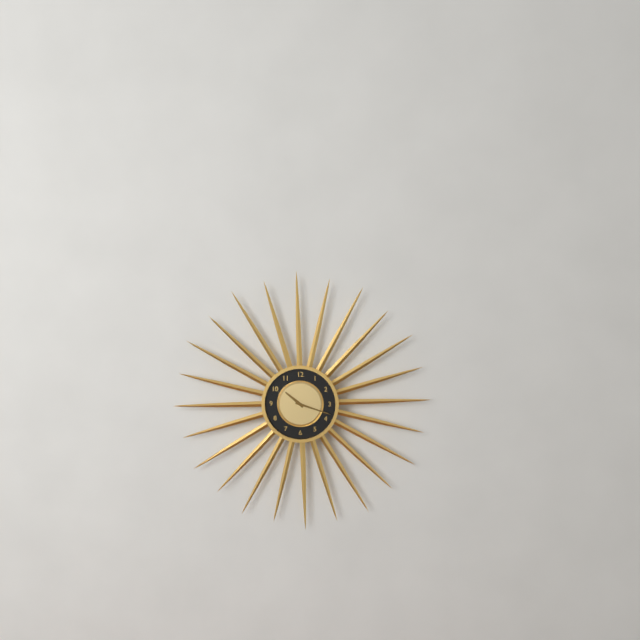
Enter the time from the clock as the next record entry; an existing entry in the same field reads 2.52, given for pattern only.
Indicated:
10.18
